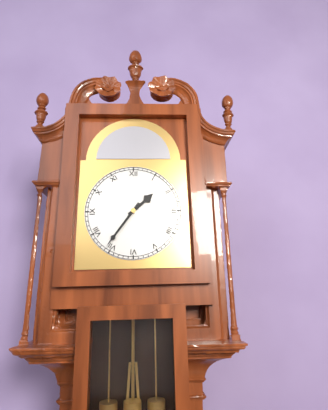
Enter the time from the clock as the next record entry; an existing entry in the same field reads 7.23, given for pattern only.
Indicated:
1.36
